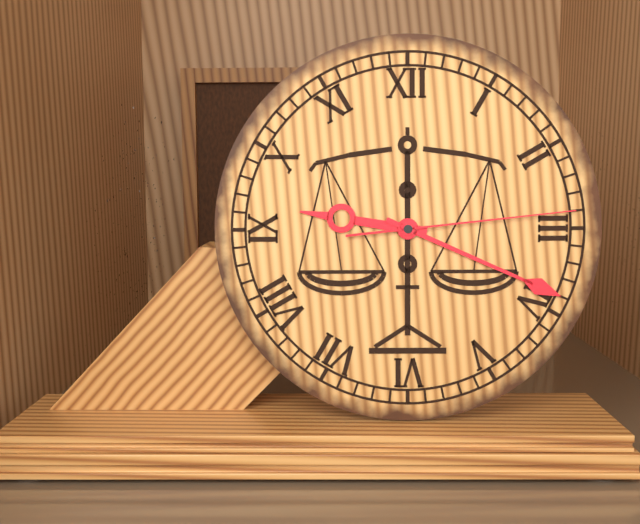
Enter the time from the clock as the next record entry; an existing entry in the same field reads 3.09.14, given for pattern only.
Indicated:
9.19.14
